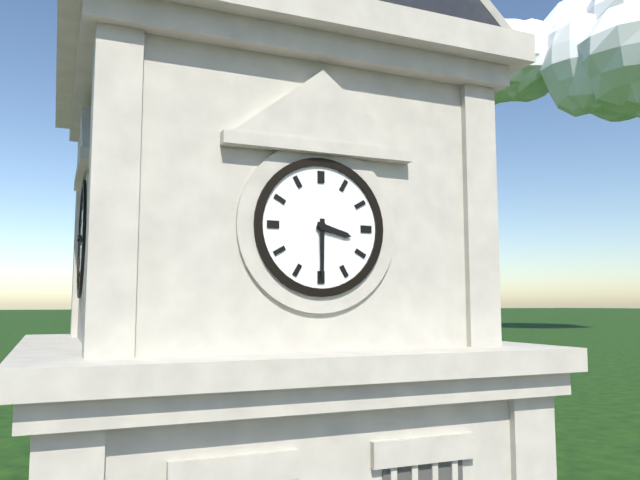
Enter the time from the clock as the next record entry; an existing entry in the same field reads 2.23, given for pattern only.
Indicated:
3.30
